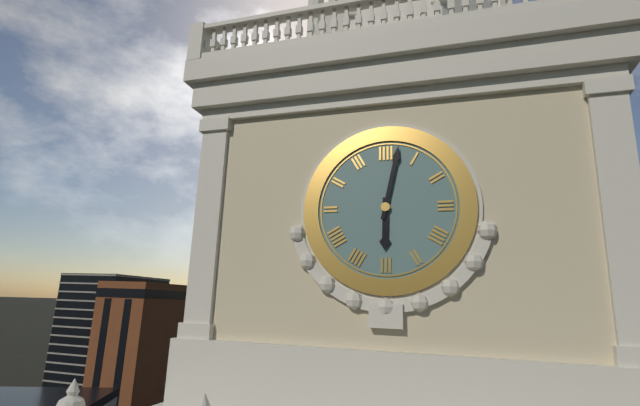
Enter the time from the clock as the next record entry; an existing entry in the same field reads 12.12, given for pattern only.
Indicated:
6.02
